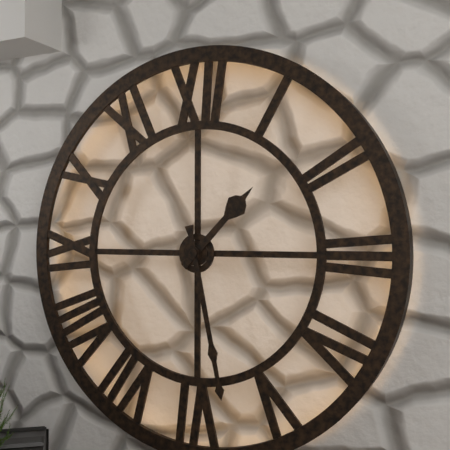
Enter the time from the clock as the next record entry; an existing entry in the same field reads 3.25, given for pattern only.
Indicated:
1.28
